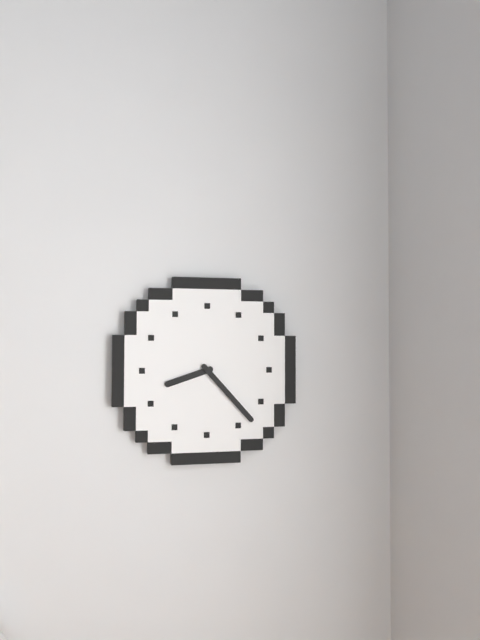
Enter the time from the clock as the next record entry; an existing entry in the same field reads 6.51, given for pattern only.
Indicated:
8.23
